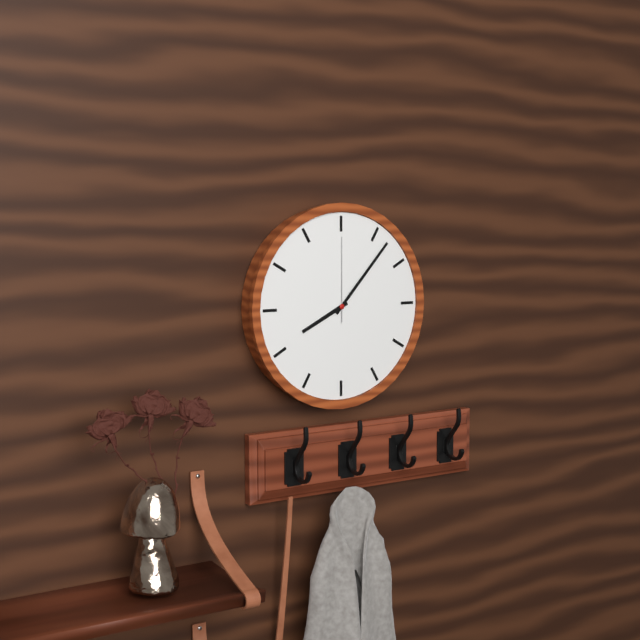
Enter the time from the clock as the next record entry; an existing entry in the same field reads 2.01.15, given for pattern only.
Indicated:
8.07.00
